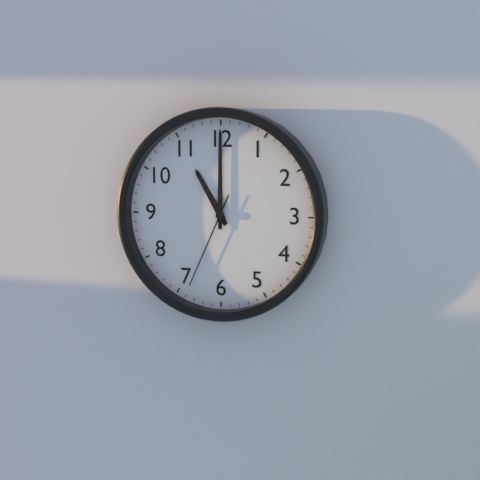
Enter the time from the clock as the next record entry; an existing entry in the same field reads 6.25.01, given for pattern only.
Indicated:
11.00.34
